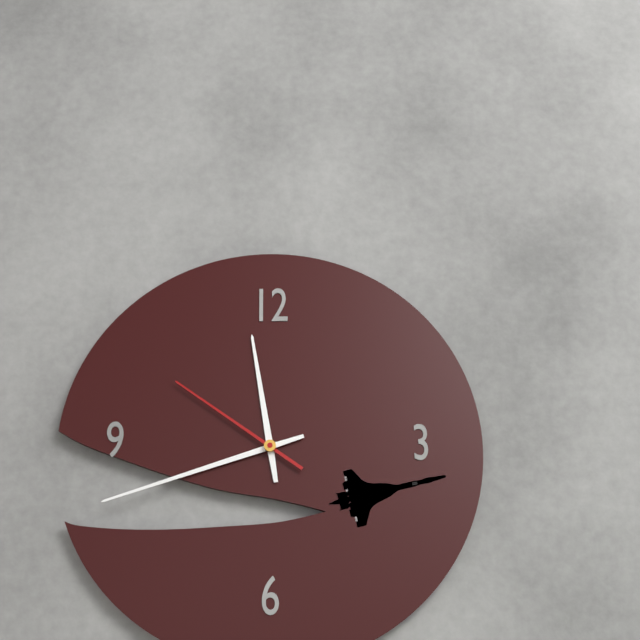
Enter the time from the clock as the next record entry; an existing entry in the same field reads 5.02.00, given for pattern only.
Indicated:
11.42.51
